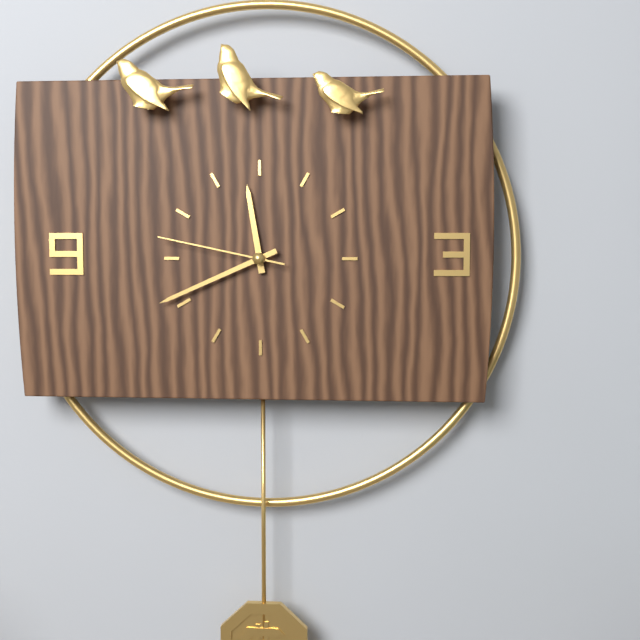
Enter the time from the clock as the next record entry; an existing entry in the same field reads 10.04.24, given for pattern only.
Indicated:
11.41.47
